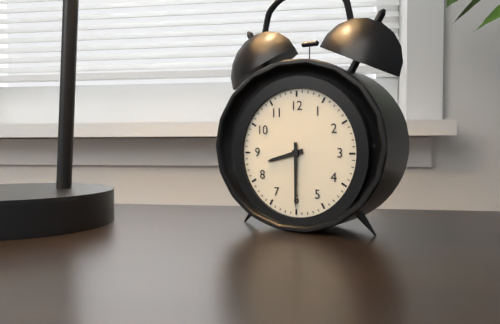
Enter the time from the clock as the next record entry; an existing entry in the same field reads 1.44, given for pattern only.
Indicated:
8.30
